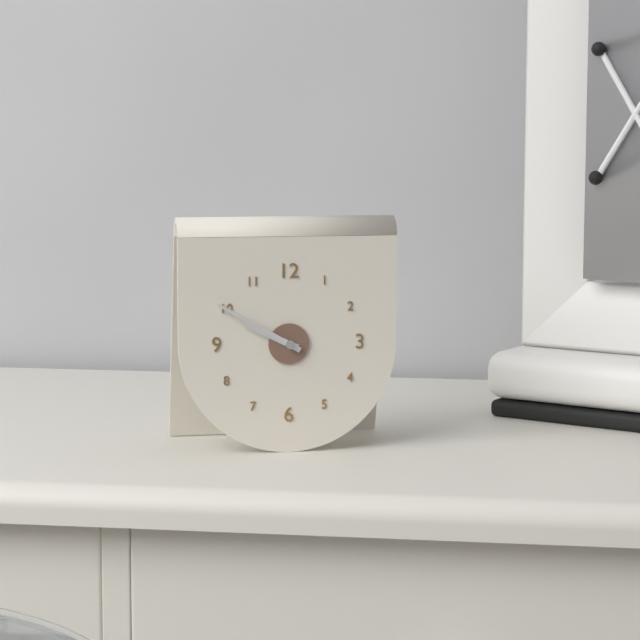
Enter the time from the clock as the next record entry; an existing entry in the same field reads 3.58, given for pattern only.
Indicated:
9.50
